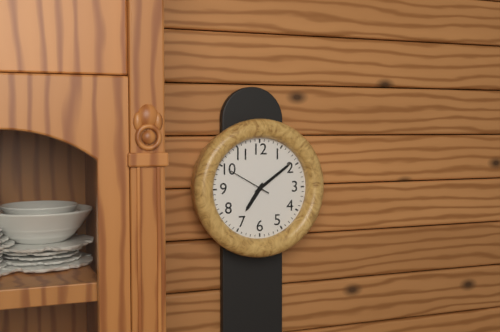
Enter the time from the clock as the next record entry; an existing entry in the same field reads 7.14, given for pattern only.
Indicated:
7.09
